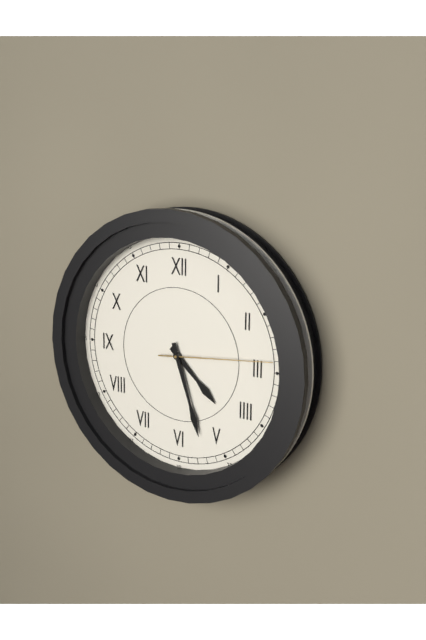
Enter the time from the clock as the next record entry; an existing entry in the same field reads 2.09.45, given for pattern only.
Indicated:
4.27.14
